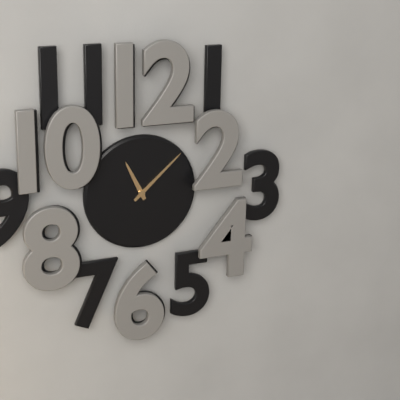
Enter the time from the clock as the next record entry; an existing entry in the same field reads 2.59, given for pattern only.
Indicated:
11.08
